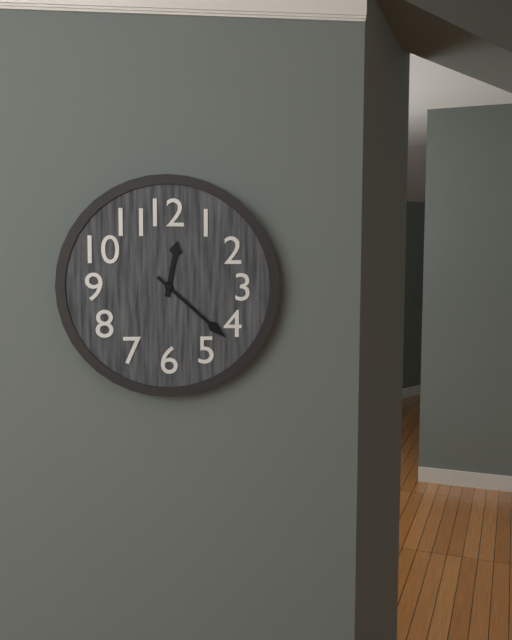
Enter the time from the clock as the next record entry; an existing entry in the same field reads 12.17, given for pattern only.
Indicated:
12.22
